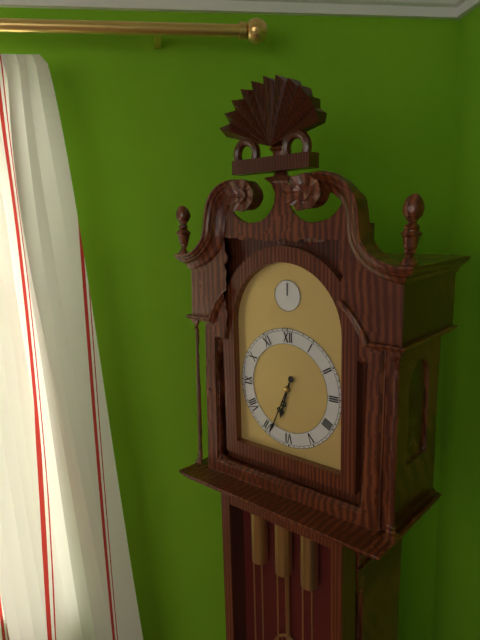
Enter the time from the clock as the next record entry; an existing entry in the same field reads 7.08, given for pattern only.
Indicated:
6.34
